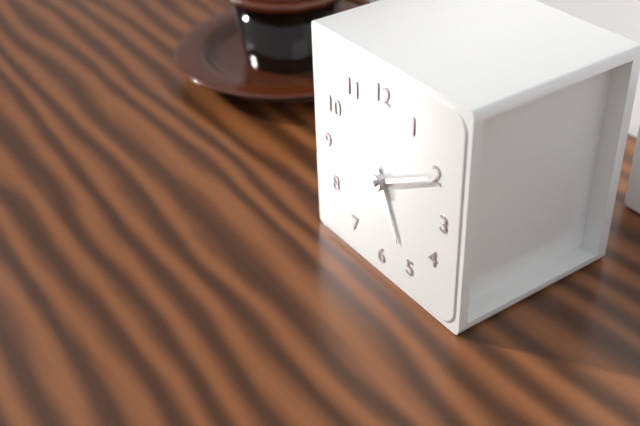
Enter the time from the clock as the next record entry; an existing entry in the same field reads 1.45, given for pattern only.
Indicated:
5.10
